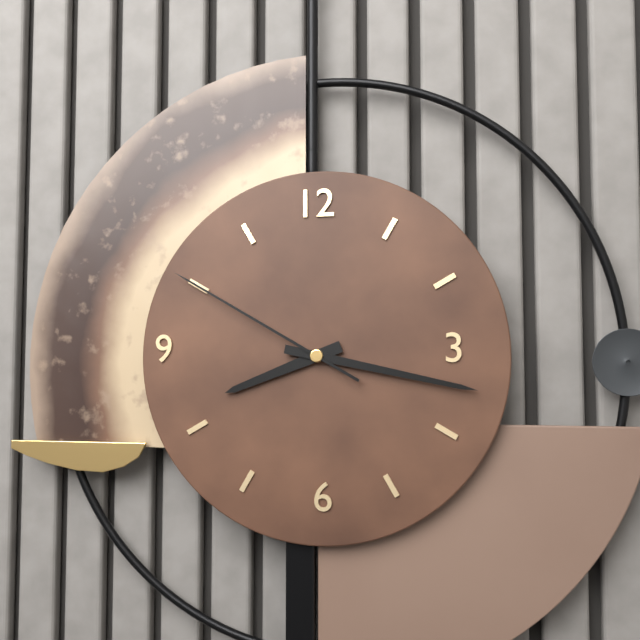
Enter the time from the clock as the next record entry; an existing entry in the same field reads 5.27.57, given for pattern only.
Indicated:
8.17.50
